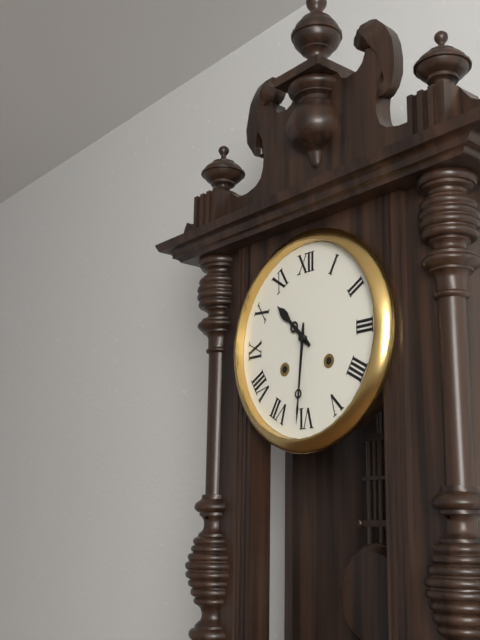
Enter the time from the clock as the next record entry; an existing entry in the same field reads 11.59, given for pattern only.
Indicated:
10.31
